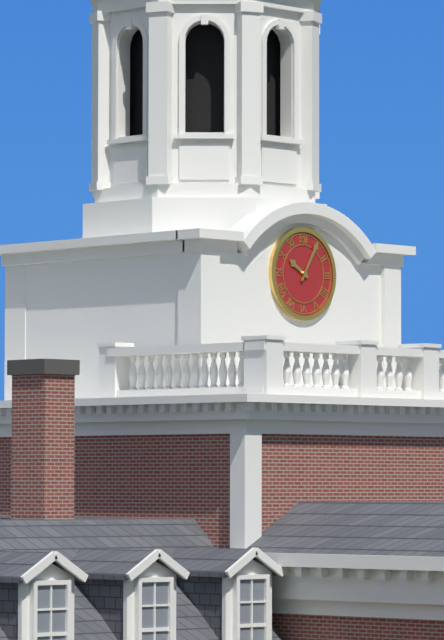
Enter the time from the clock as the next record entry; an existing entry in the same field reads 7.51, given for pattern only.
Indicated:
10.05
